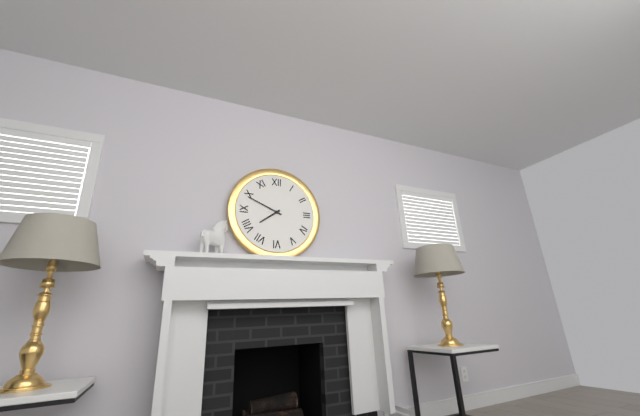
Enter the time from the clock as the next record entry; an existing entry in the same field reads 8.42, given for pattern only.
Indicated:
7.49
